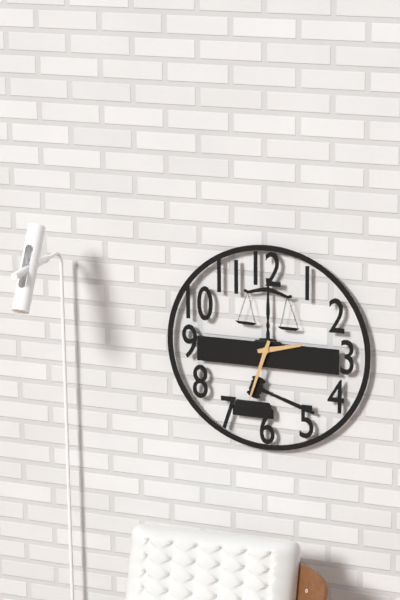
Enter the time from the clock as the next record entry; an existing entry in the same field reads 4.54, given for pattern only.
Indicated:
2.33
